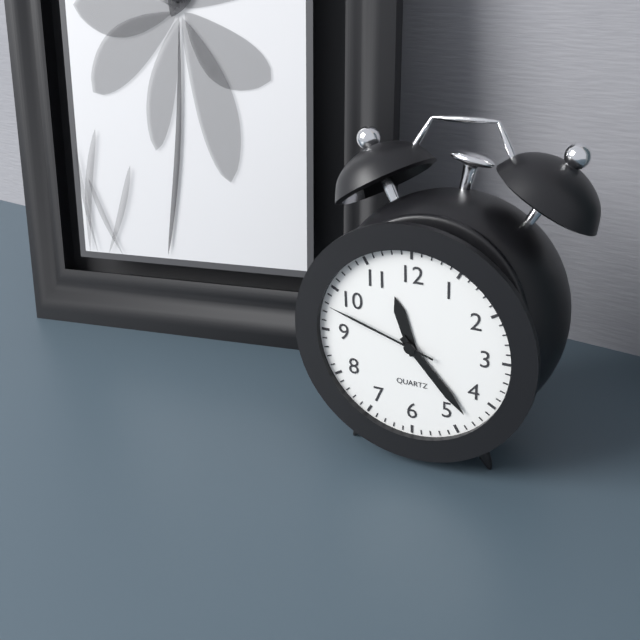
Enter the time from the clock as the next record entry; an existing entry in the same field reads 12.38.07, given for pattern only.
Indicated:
11.23.48
